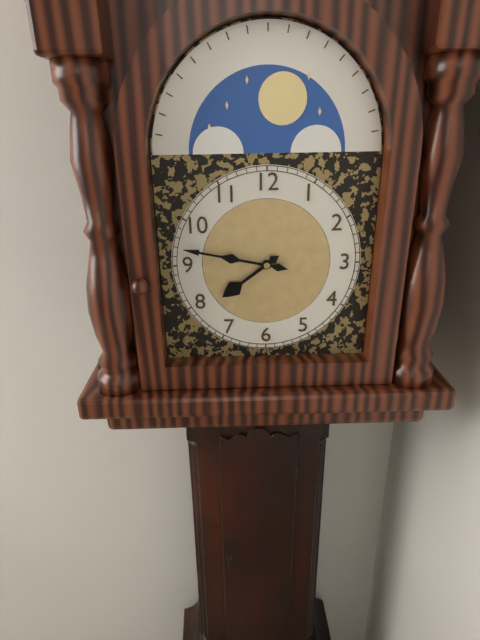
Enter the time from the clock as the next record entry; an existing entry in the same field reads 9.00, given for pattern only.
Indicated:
7.47
